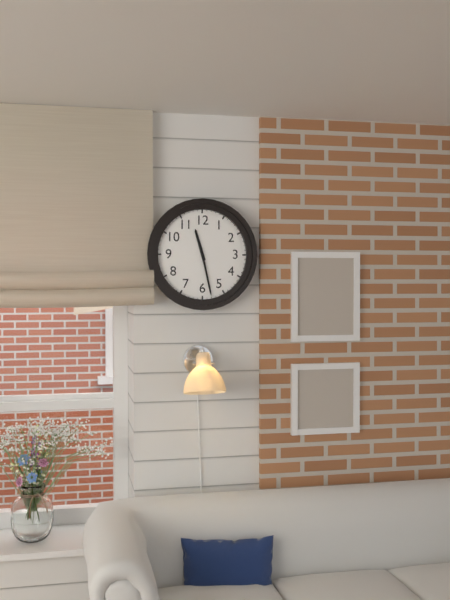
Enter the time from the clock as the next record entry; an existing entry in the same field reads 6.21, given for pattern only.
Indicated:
11.28
